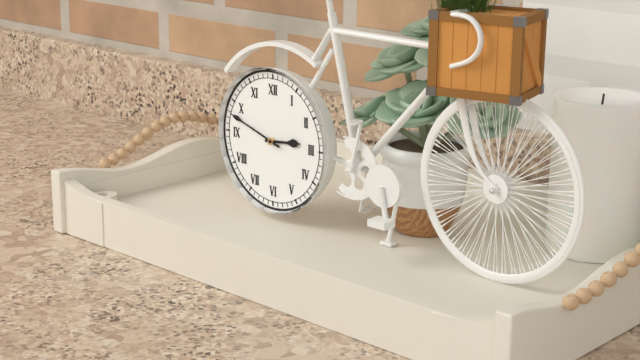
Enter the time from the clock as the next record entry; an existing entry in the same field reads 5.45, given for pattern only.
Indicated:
2.48
